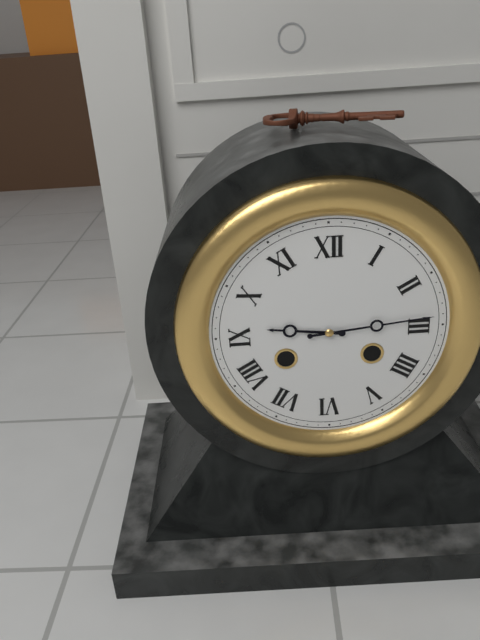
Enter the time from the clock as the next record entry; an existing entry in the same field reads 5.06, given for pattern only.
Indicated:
9.14
